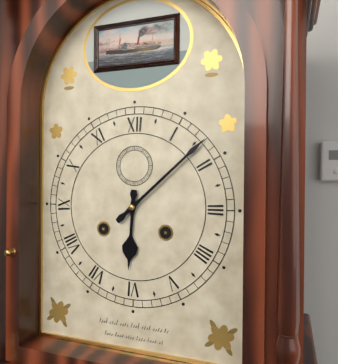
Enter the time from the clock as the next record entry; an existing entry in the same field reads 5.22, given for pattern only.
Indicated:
6.08
